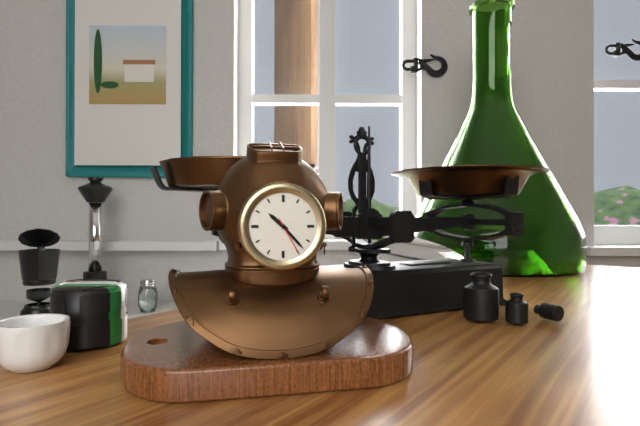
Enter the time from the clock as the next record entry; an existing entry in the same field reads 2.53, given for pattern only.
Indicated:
10.23
